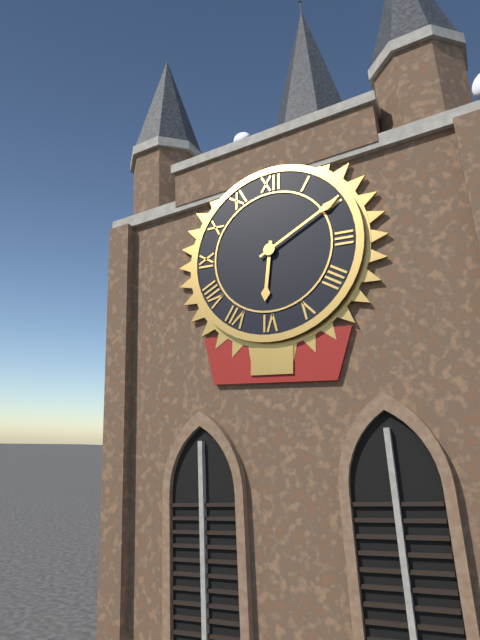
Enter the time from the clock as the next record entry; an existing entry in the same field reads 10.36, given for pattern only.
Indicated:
6.10
